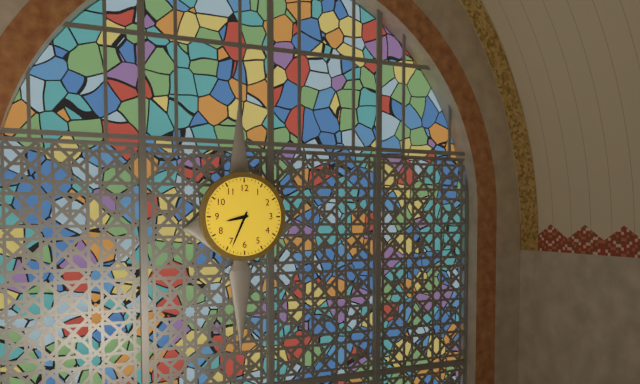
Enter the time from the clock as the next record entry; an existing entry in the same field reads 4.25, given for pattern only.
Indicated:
8.34
